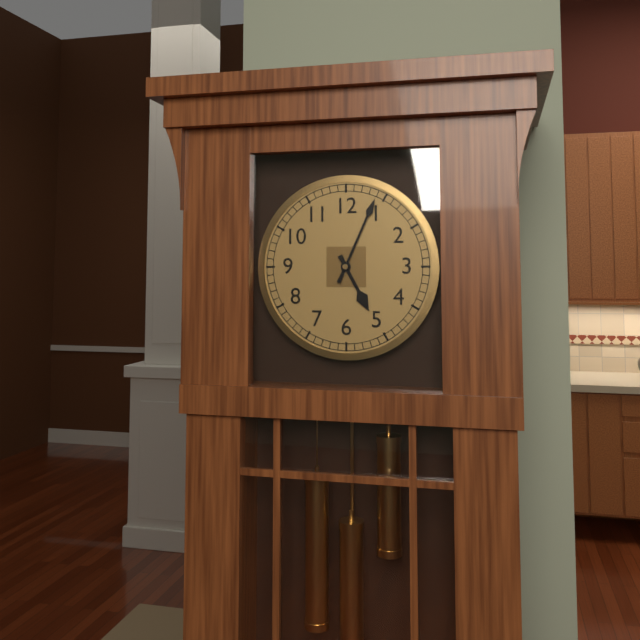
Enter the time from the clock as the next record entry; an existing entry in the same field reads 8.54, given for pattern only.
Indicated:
5.04
